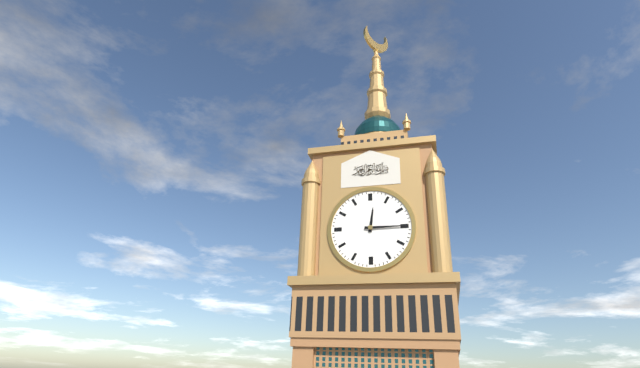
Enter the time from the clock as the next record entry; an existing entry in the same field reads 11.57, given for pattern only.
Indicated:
12.15
